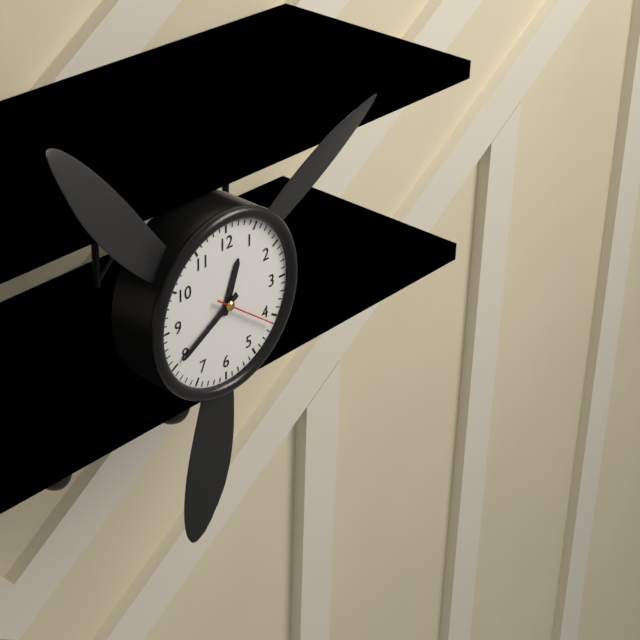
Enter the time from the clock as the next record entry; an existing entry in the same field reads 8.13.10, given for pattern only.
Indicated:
12.40.21
